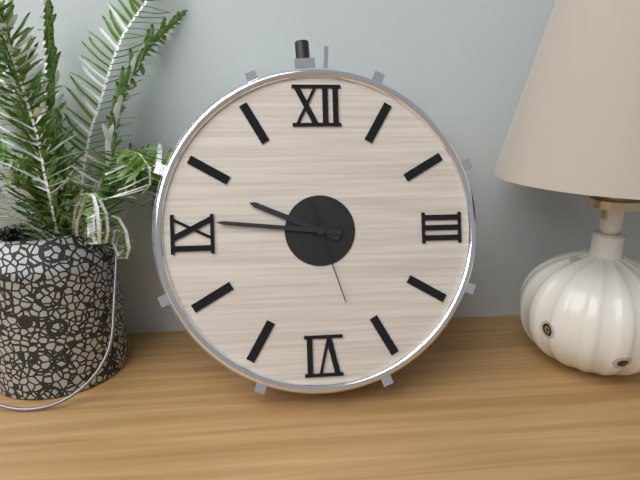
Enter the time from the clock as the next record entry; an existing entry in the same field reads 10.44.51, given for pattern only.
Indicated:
9.46.27
